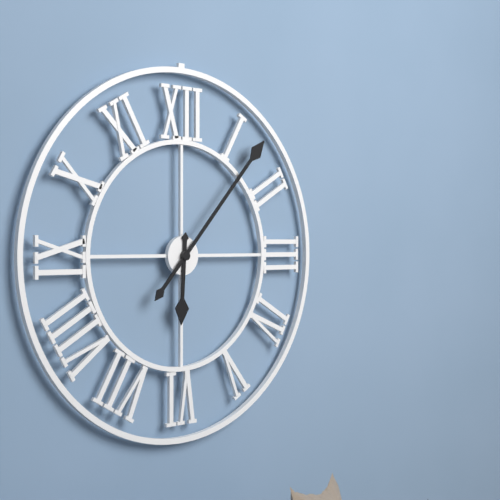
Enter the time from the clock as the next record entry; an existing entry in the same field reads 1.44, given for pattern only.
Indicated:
6.07
